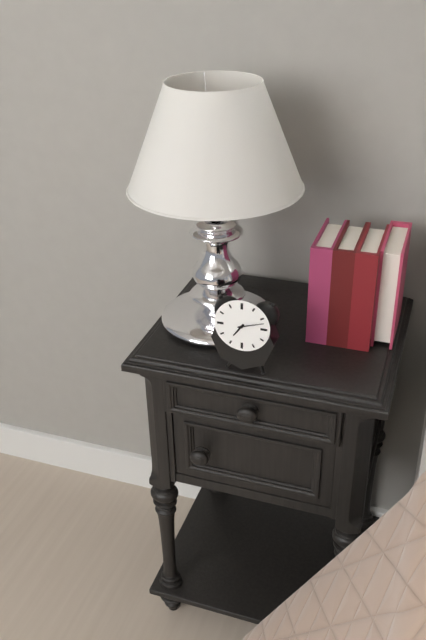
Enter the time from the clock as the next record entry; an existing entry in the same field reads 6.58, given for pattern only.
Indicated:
7.12
